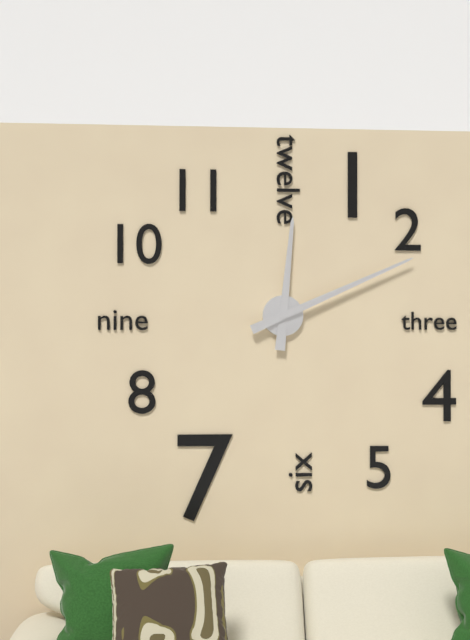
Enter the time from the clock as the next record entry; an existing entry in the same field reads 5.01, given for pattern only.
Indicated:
12.11
